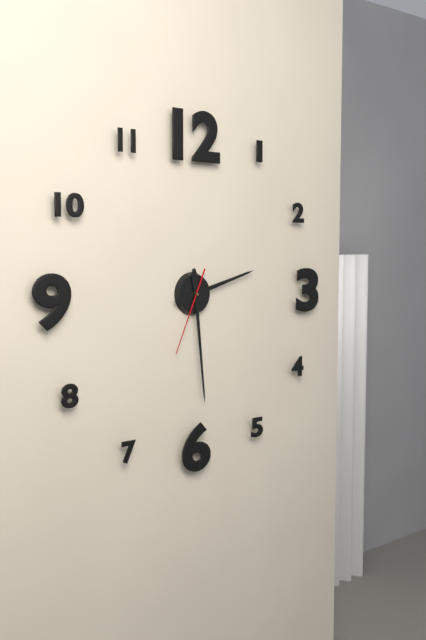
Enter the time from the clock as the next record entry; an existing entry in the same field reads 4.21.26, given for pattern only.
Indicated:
2.29.34
